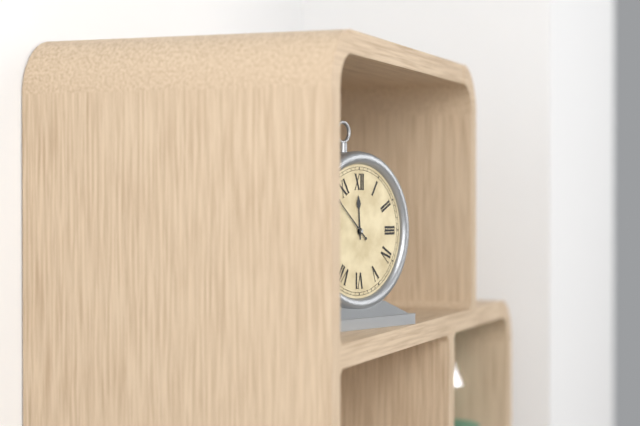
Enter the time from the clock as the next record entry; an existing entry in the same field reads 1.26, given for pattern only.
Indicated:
11.52
